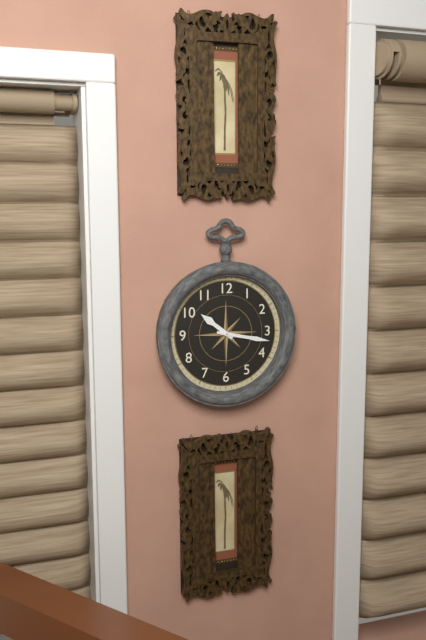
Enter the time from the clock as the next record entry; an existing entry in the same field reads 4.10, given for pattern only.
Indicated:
10.17
